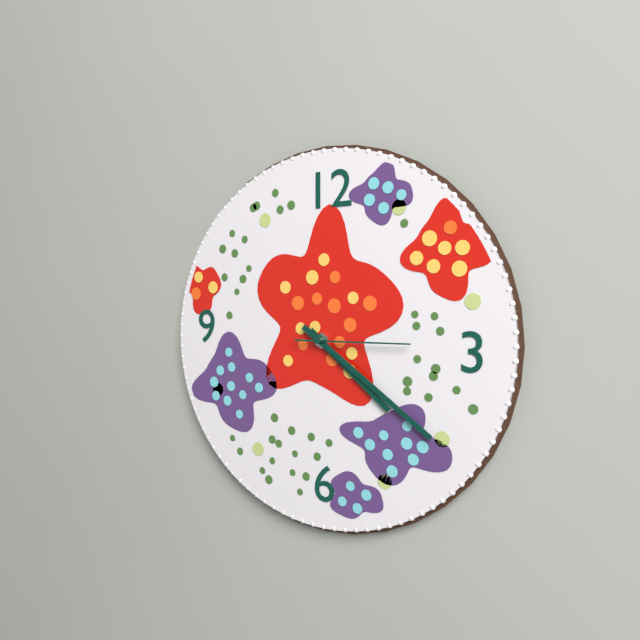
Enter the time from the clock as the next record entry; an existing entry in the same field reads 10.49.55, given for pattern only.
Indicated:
4.21.15
